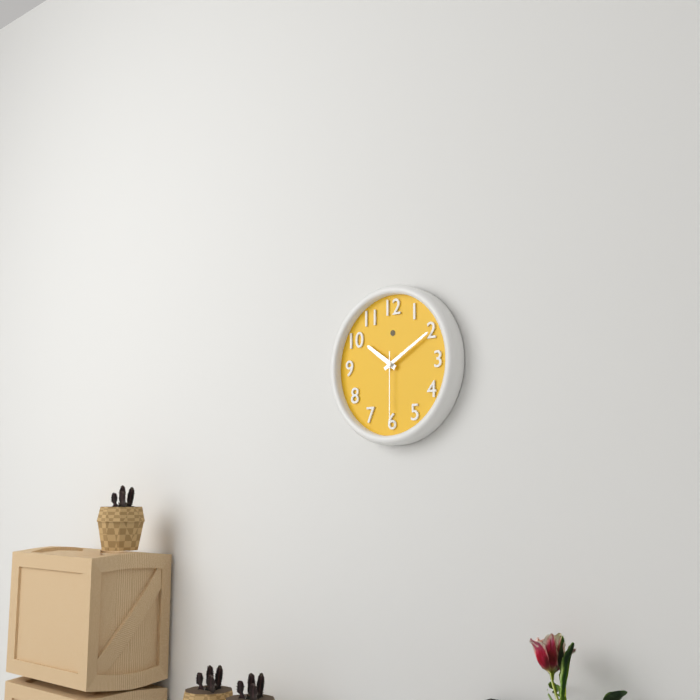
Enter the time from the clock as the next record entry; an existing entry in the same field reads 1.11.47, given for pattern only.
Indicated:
10.10.30
